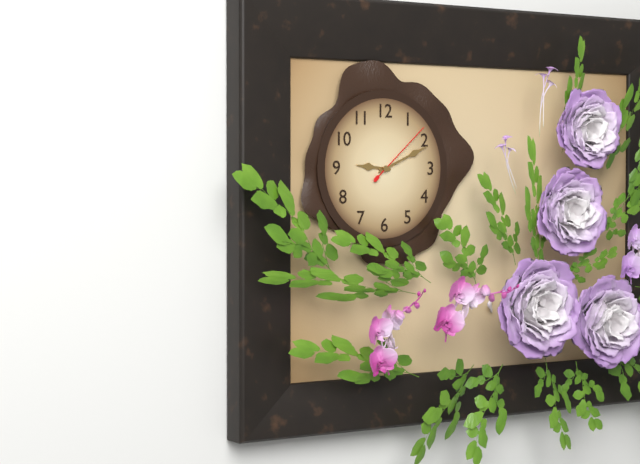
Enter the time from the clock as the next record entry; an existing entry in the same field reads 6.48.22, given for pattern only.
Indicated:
9.11.08
